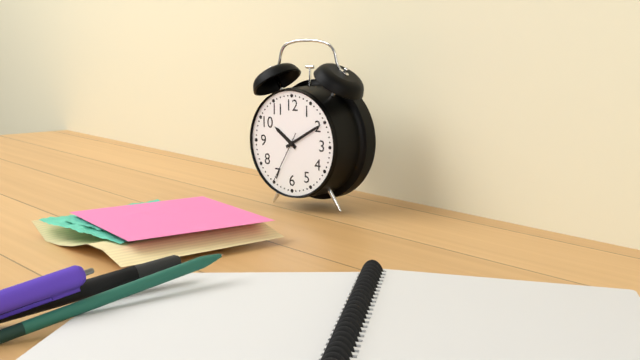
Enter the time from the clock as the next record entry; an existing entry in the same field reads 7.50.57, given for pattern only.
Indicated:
10.10.35
